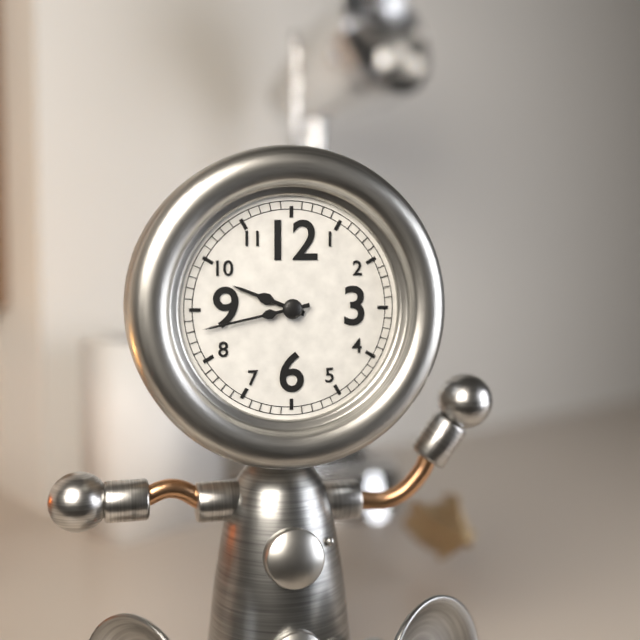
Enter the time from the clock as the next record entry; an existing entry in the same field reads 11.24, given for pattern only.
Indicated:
9.43
